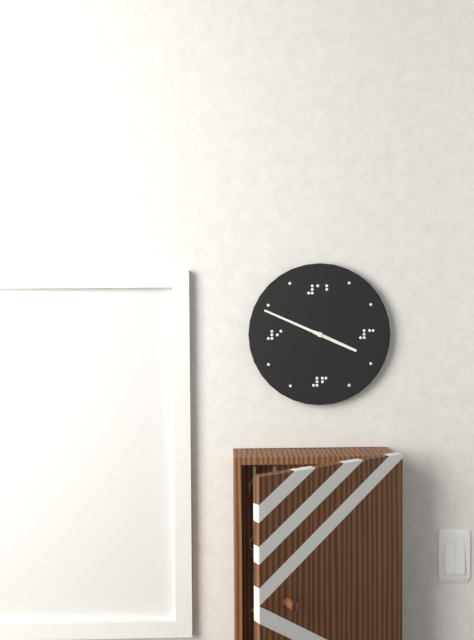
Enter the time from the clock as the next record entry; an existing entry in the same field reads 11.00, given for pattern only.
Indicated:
3.49
